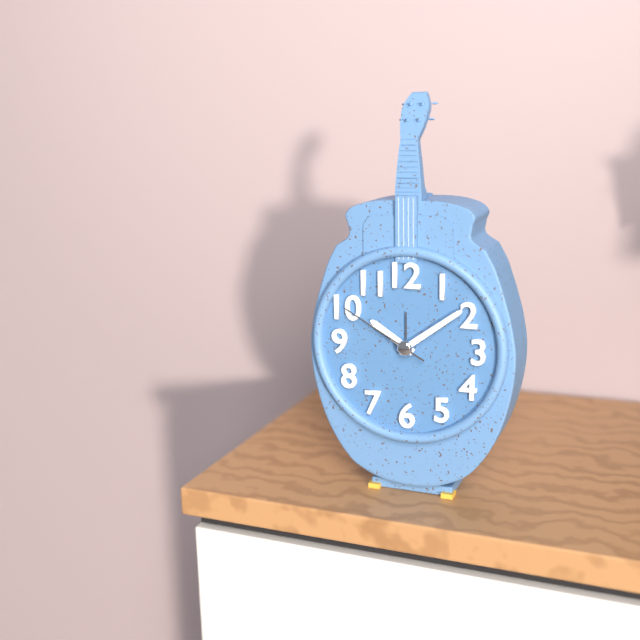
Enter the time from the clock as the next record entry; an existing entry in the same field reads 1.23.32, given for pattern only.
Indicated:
10.09.50
